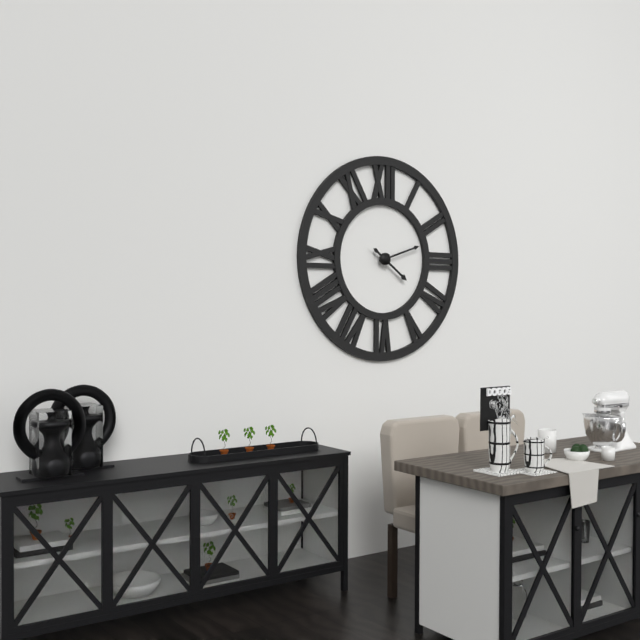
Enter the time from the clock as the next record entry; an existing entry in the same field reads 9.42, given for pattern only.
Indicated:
4.12
